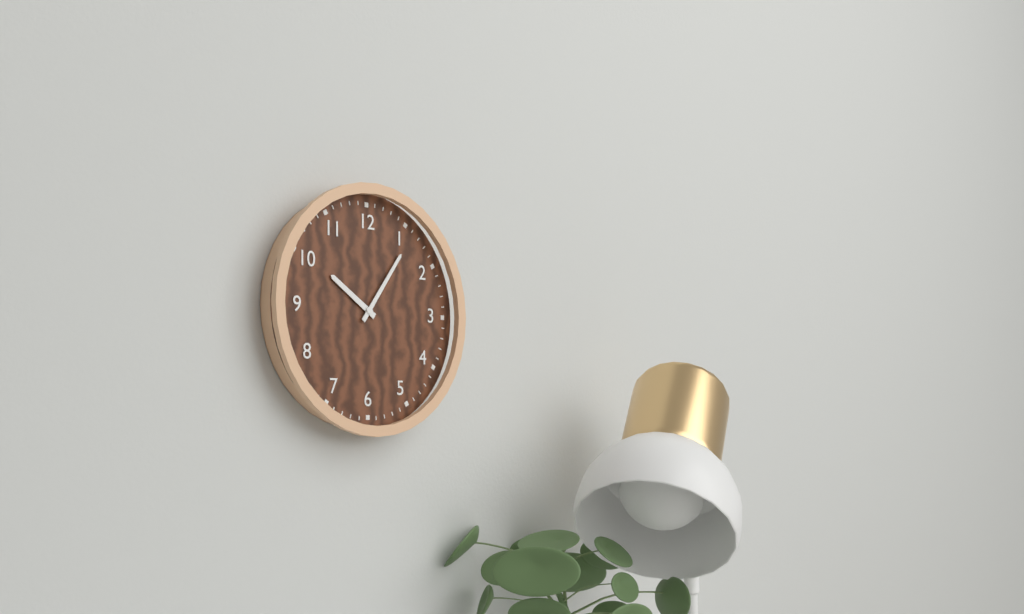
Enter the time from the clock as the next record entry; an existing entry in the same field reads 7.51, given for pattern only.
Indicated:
10.06
